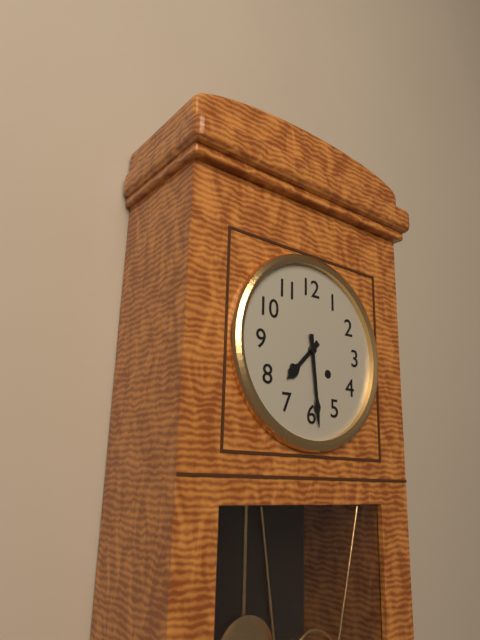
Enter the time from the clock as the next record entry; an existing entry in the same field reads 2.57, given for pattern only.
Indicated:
7.29
